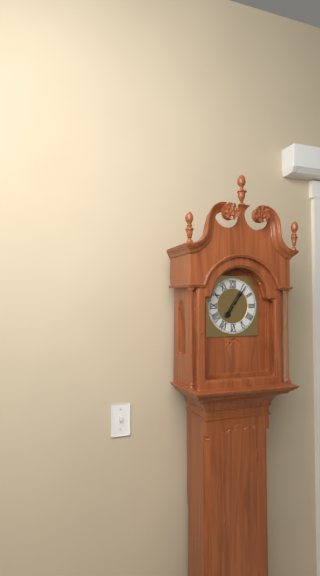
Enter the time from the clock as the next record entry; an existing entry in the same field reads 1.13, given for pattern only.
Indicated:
7.06
